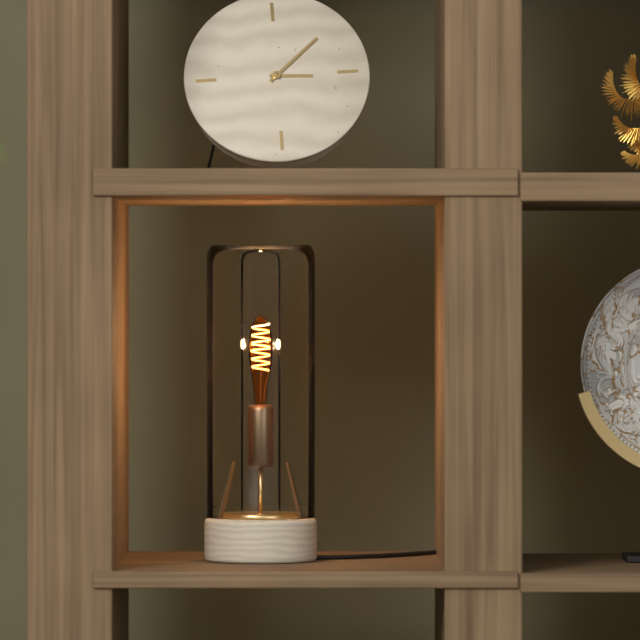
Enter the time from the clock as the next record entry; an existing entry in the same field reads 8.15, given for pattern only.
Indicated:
3.08
